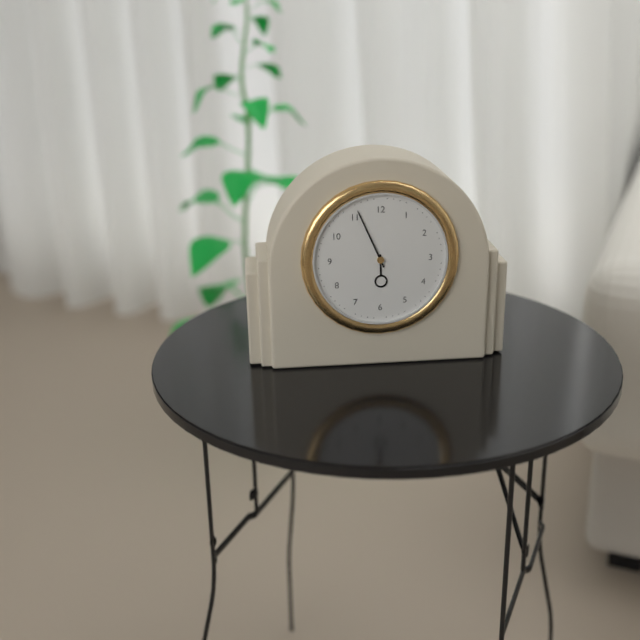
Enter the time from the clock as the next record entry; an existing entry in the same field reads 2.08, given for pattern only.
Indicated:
5.56
